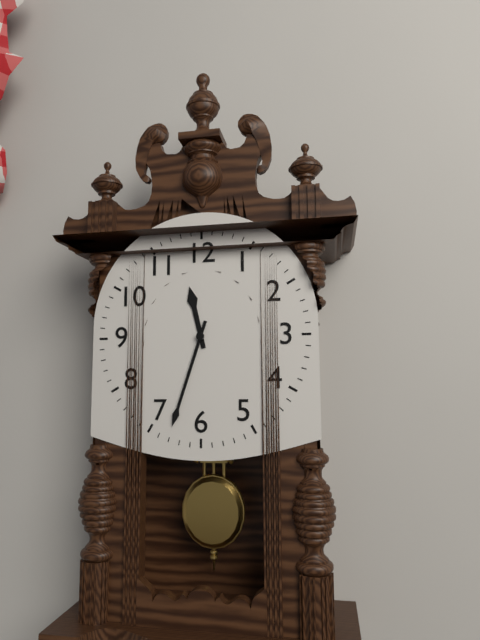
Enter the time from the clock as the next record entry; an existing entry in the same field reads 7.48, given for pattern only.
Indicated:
11.33
